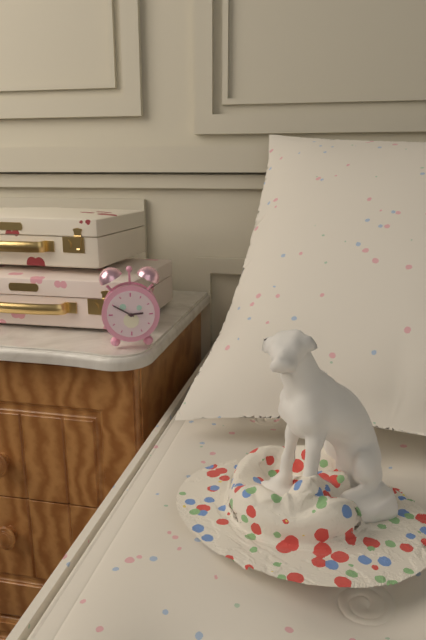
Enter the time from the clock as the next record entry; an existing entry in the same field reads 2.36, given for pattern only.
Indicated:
2.50
